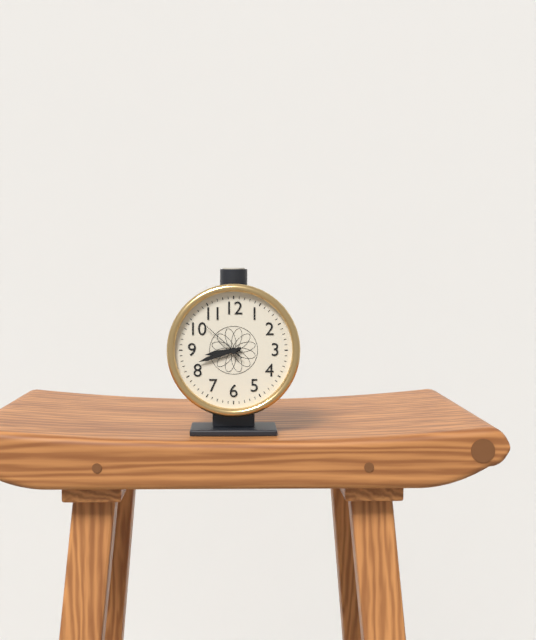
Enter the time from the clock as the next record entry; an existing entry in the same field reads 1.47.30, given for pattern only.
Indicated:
8.42.52
